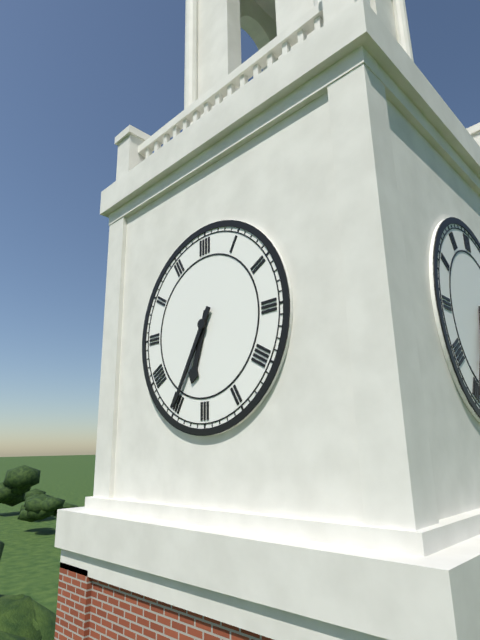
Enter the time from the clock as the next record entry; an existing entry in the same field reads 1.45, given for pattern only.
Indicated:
6.35
